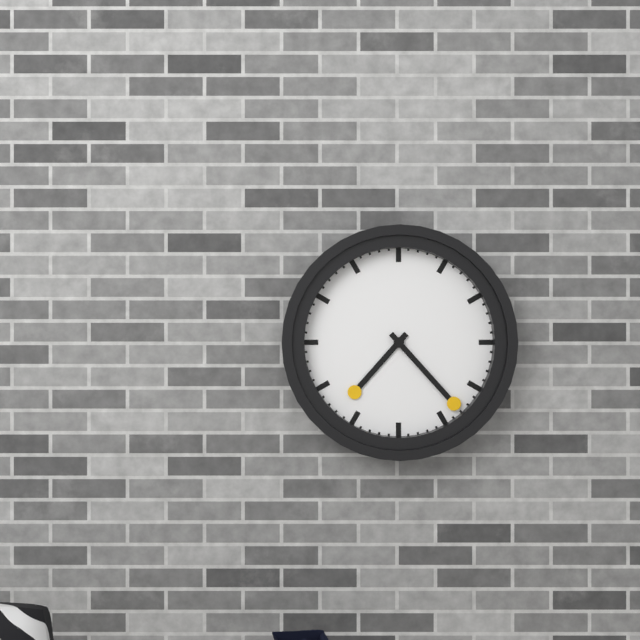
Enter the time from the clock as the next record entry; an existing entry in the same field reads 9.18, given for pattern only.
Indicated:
7.23
